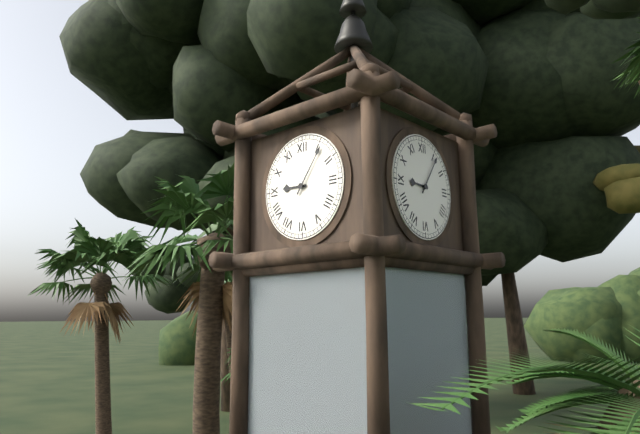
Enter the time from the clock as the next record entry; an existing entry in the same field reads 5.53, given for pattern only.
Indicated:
9.06
